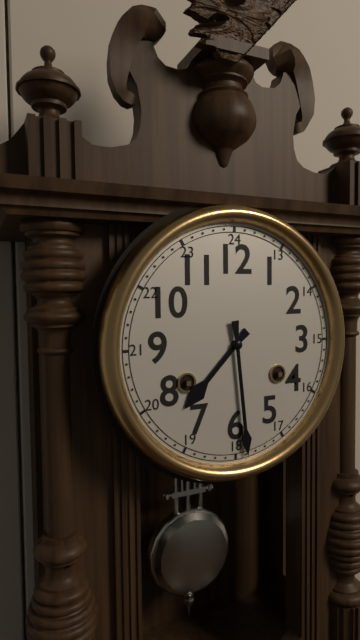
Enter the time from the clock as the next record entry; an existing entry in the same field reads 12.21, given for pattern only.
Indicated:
7.29
